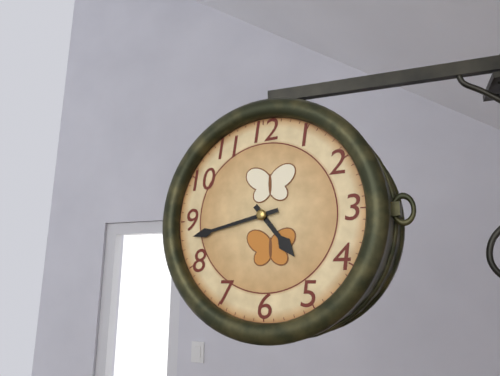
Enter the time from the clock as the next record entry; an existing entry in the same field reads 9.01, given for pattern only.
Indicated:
4.43
